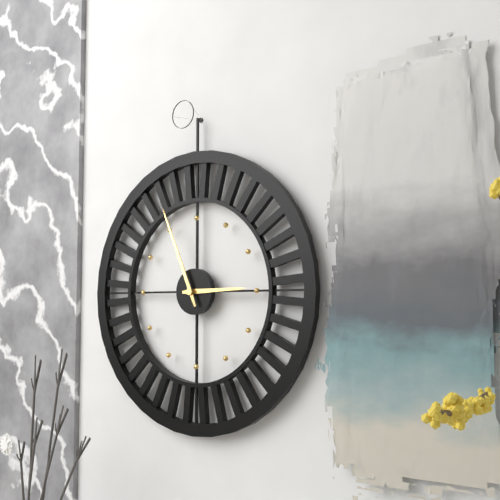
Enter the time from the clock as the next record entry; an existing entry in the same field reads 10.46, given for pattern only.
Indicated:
2.56
